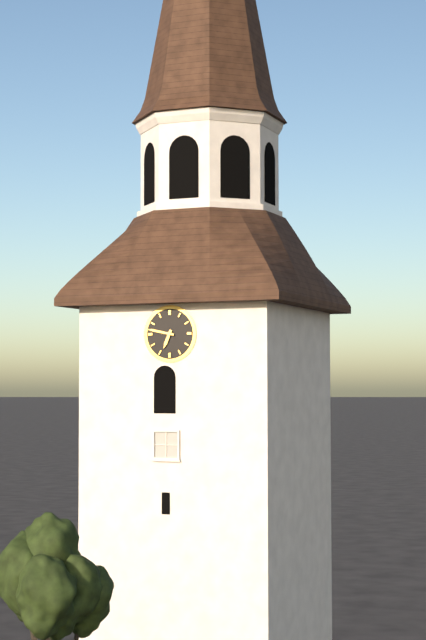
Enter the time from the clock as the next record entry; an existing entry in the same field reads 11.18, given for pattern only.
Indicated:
6.47
